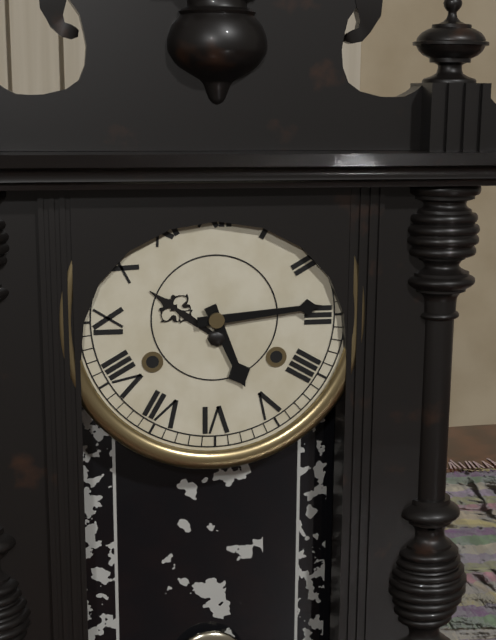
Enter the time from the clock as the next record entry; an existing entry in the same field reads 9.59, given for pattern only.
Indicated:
5.14
